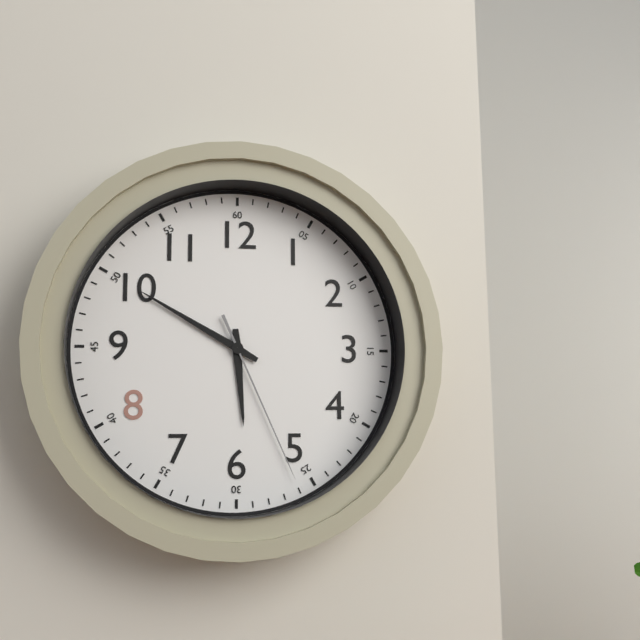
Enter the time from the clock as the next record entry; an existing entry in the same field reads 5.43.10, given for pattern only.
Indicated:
5.50.26
